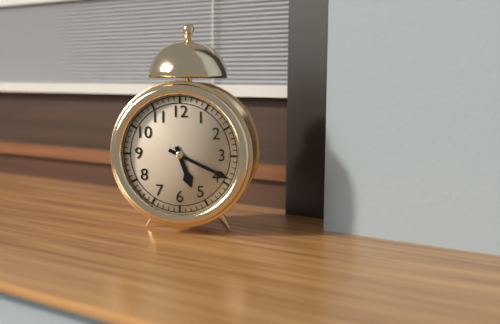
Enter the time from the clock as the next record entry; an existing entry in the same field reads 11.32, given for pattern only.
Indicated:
5.19
